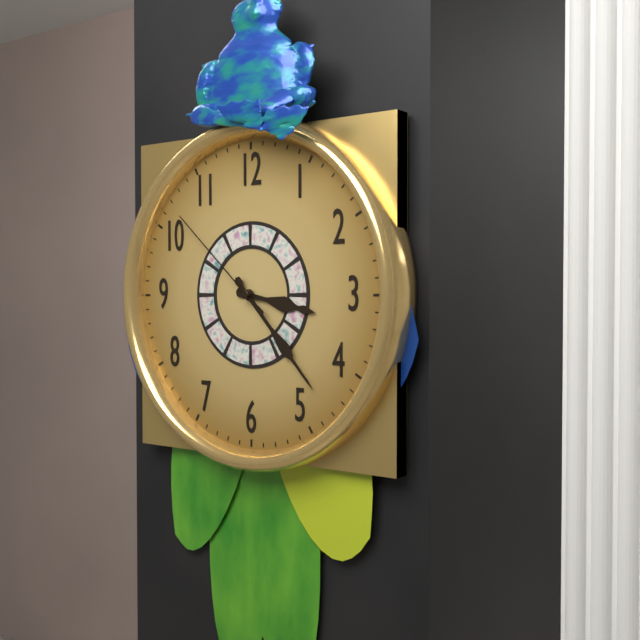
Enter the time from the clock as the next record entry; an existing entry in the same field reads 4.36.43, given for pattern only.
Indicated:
3.23.52
